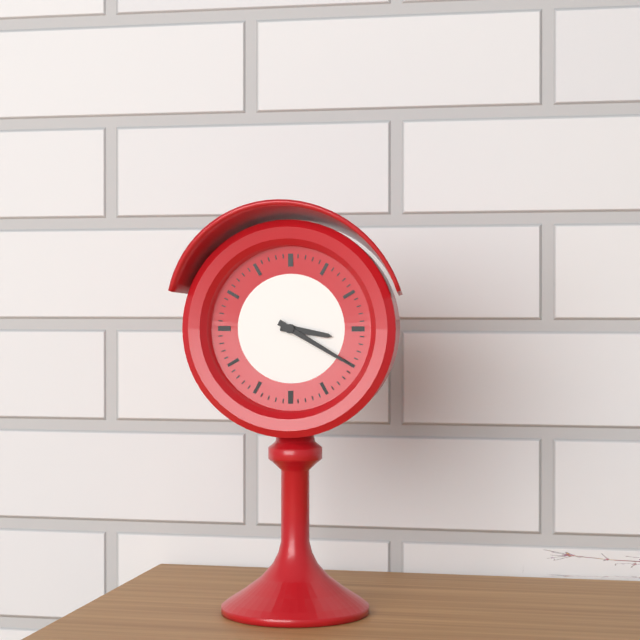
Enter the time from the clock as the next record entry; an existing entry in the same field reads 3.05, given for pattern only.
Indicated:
3.20
